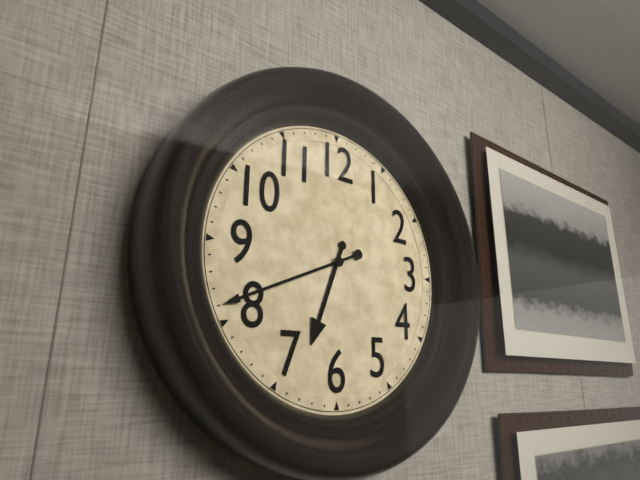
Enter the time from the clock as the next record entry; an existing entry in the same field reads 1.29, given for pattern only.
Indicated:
6.41
